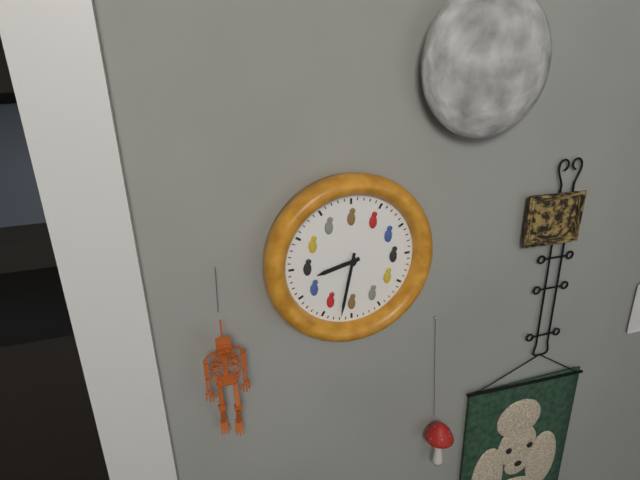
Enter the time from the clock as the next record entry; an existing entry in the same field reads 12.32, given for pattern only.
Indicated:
8.32
